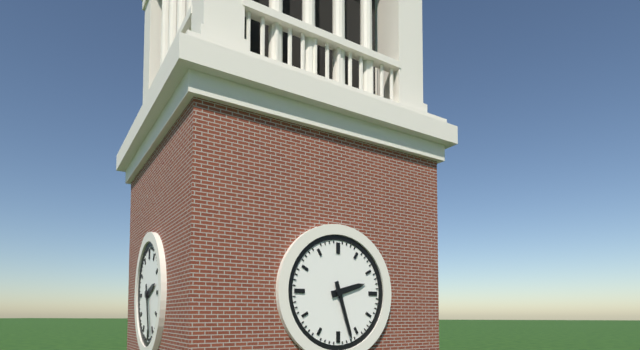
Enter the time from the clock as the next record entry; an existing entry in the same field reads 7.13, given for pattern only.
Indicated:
2.27
